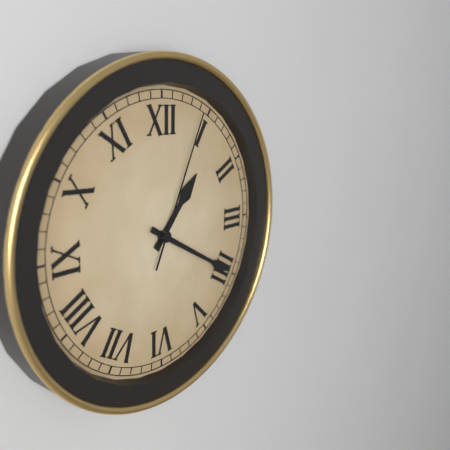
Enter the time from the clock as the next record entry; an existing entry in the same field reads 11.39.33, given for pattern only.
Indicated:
1.20.04
